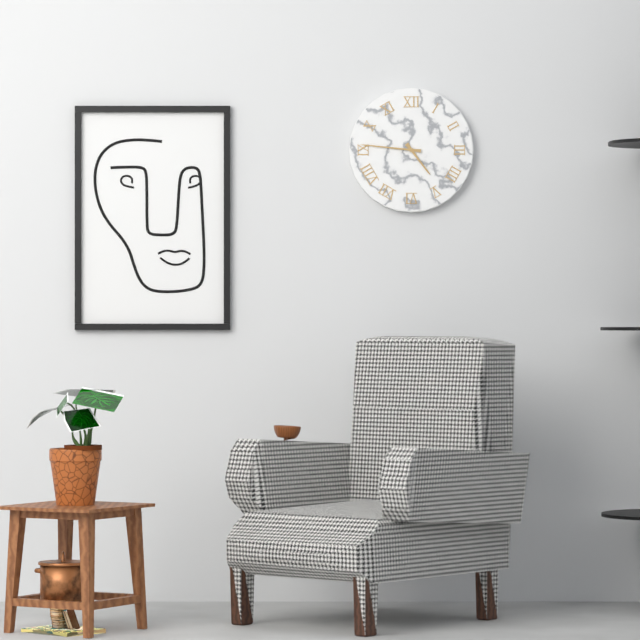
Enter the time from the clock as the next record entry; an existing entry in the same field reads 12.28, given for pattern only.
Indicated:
4.46
